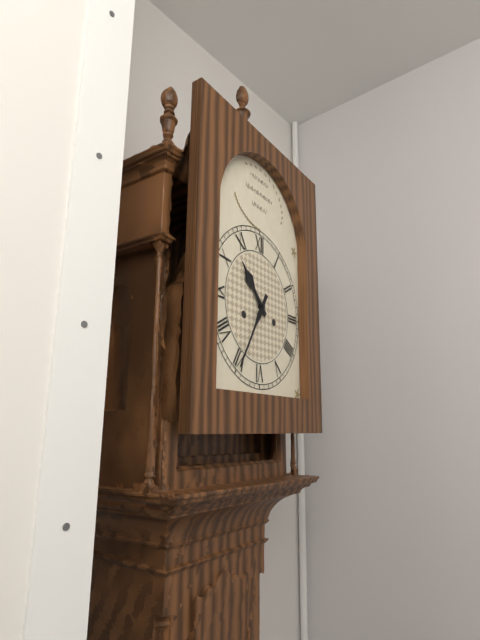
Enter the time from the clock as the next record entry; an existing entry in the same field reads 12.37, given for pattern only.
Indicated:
10.35
